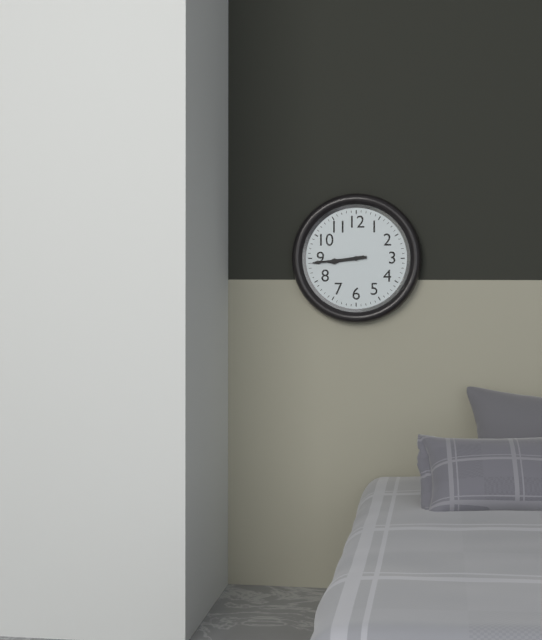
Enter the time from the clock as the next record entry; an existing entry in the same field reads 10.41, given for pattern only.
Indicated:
8.44
